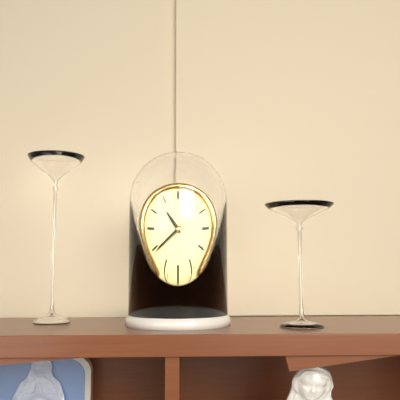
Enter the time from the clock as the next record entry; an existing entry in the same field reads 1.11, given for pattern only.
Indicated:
10.39
